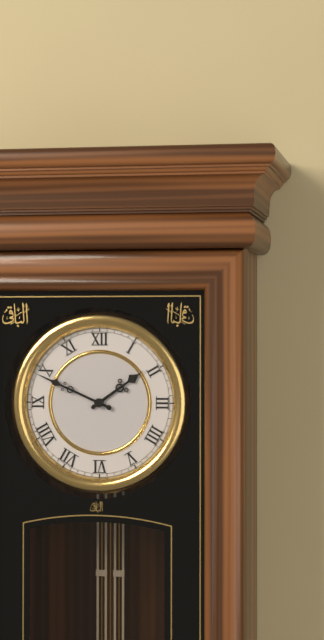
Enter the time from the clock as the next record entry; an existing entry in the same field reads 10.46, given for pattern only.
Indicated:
1.49
